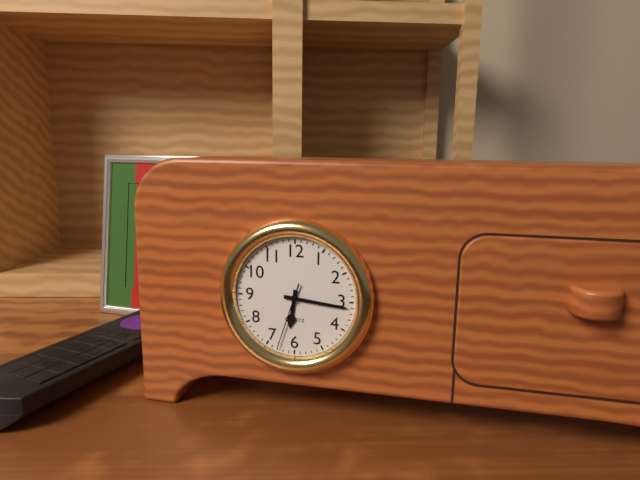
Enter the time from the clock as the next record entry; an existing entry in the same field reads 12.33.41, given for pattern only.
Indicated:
6.16.33
